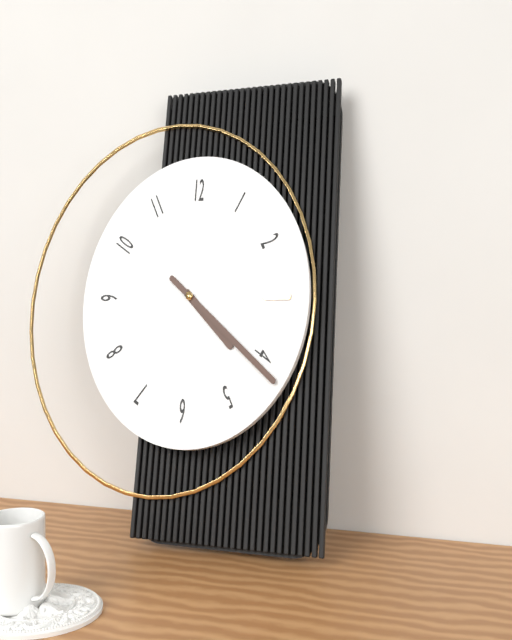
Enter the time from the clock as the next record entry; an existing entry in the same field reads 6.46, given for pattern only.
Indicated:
4.21
